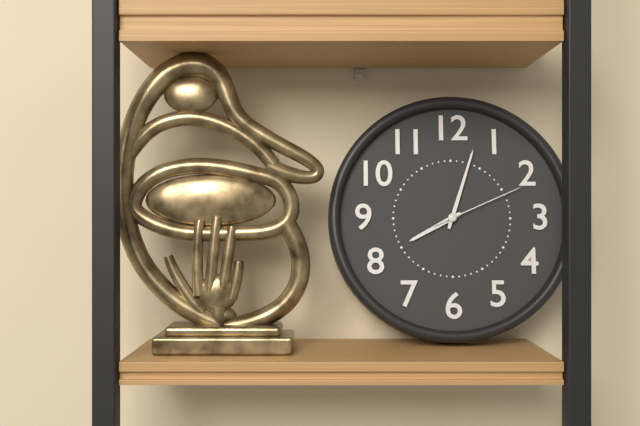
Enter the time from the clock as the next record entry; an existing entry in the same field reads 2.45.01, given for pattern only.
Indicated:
8.03.11
